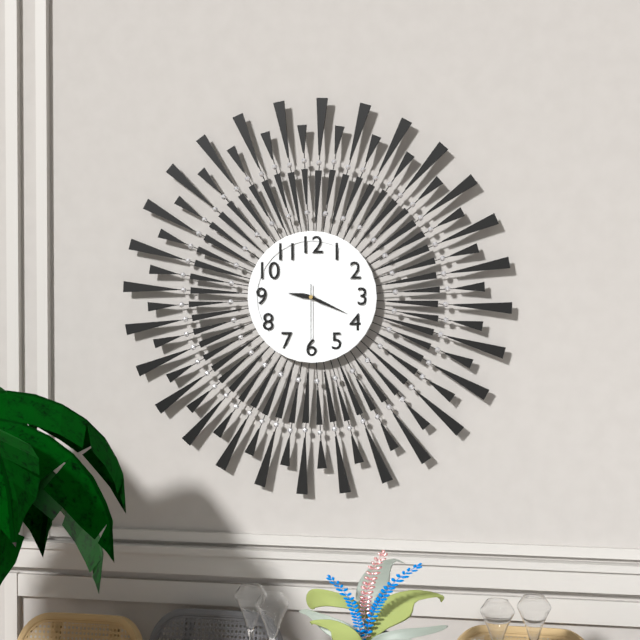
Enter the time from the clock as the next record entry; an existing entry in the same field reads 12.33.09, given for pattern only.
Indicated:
9.19.30
